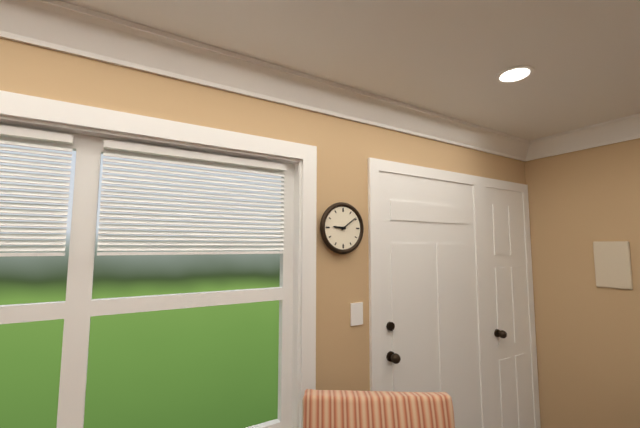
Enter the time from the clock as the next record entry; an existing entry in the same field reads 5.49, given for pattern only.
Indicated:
9.09
